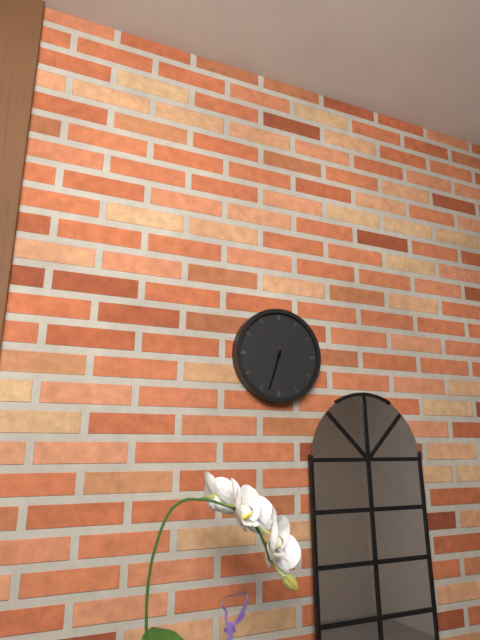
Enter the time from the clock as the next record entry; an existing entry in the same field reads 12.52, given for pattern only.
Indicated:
6.33
